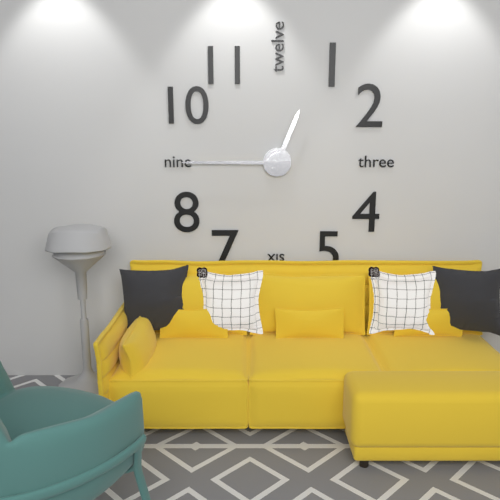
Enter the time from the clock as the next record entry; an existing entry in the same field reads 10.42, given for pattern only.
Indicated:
12.45
